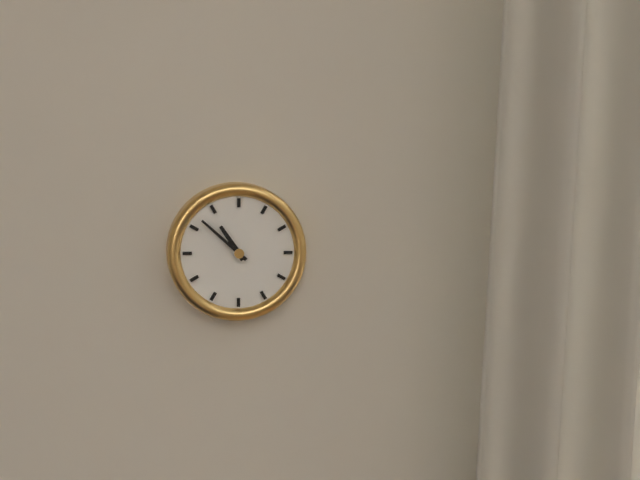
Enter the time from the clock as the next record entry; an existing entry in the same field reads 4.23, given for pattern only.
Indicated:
10.52
